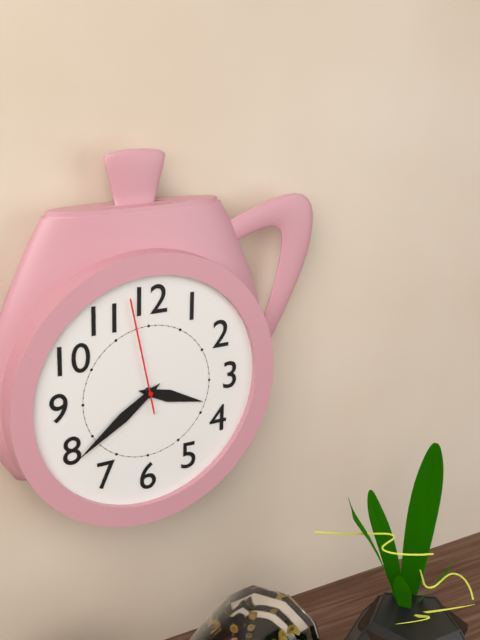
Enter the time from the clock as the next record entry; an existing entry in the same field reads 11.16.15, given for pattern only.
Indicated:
3.39.58
